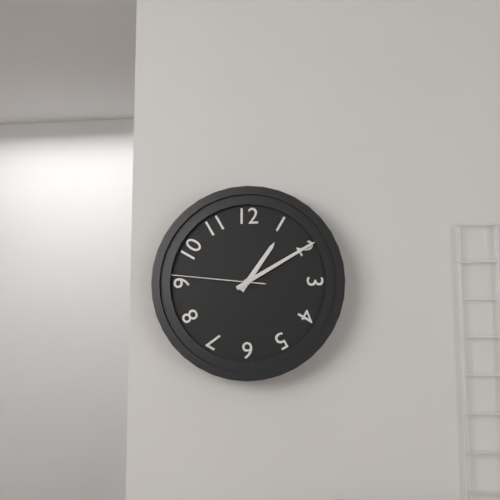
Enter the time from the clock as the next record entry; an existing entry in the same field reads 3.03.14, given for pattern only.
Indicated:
1.10.46
